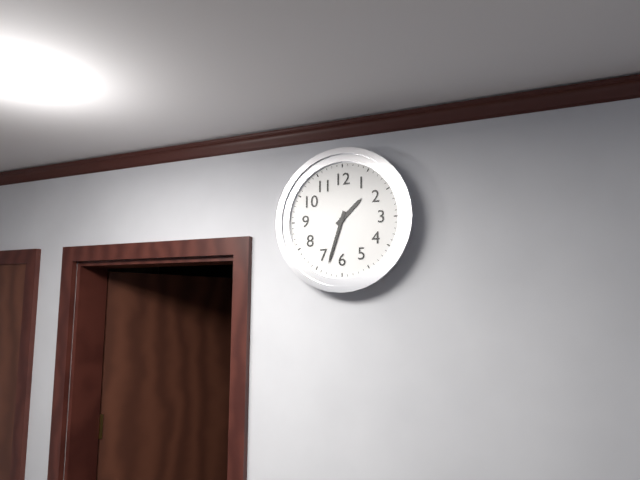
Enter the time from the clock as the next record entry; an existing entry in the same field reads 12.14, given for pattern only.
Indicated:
1.33
